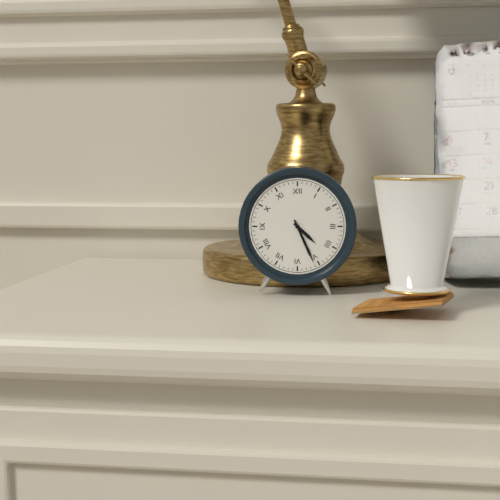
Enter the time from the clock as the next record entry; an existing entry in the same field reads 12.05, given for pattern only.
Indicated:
4.26
